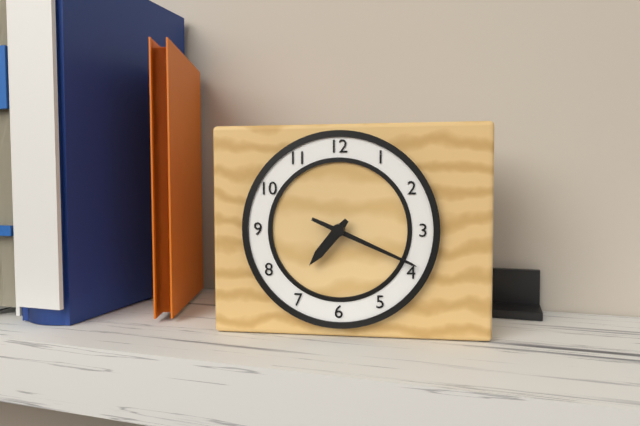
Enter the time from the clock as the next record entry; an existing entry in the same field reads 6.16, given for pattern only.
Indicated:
7.19
